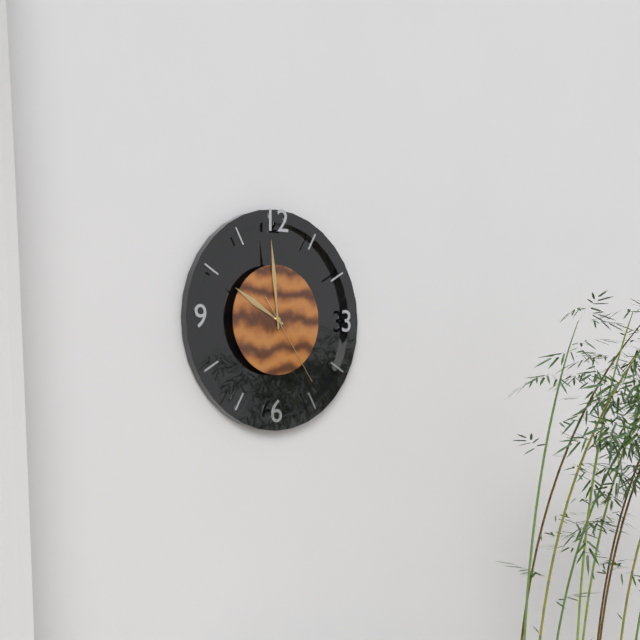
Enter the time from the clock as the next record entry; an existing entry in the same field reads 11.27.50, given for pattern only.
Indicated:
9.59.24
